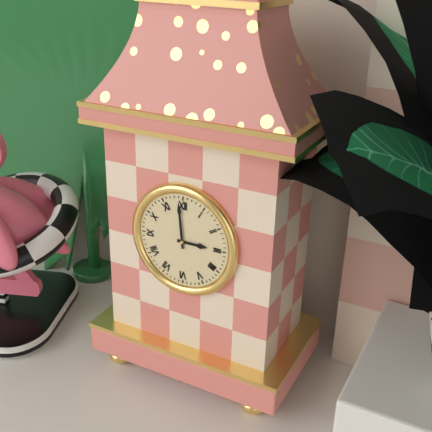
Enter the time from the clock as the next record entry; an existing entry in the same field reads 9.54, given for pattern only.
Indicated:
2.59
